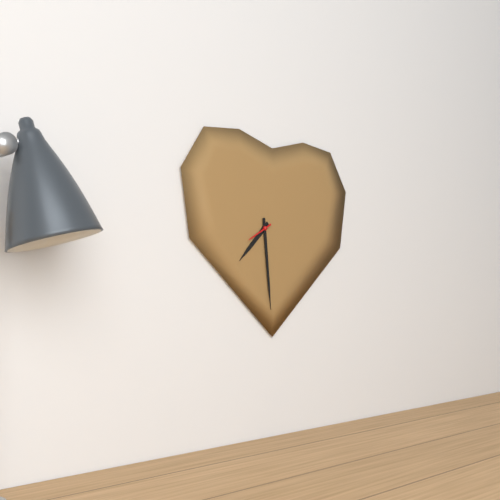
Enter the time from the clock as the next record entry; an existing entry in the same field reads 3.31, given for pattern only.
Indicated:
7.29
